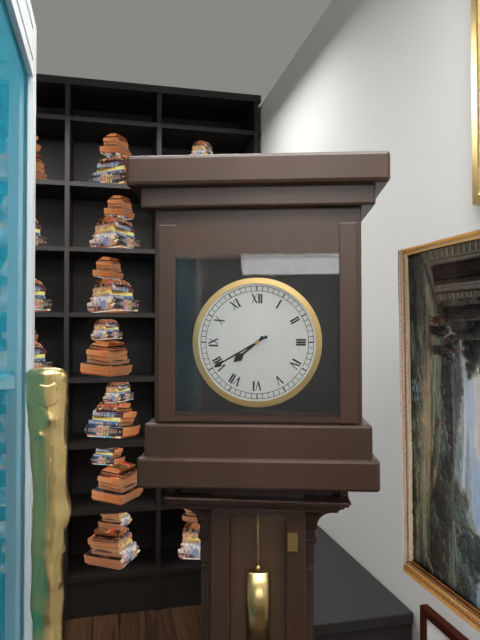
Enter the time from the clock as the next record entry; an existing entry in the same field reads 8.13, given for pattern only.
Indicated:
7.40
